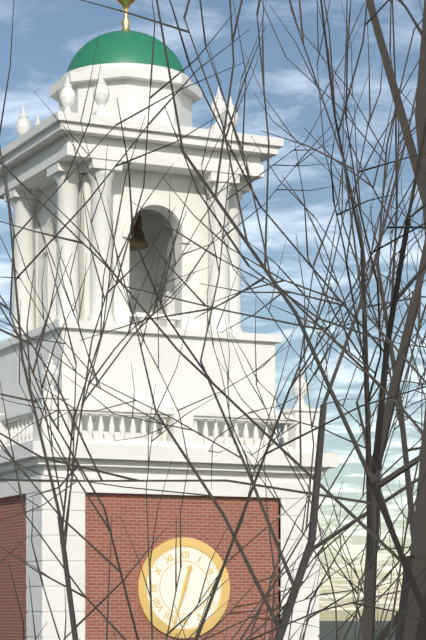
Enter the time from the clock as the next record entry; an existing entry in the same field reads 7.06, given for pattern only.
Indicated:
12.33
